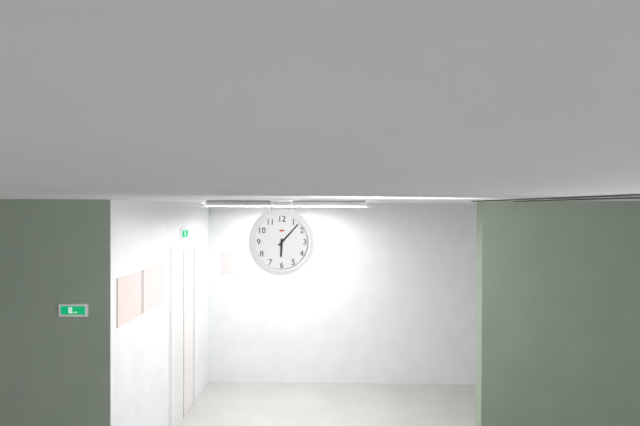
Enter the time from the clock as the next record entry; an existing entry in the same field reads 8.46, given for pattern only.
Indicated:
6.07
